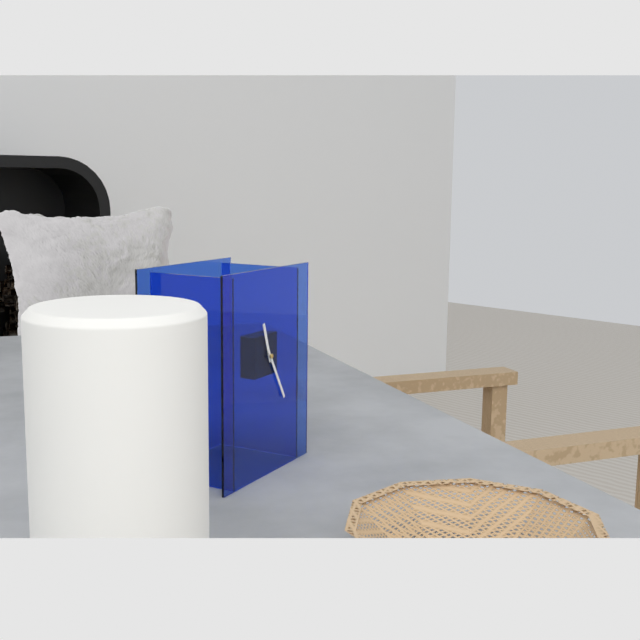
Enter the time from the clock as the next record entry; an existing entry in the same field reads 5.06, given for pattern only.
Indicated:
11.25
